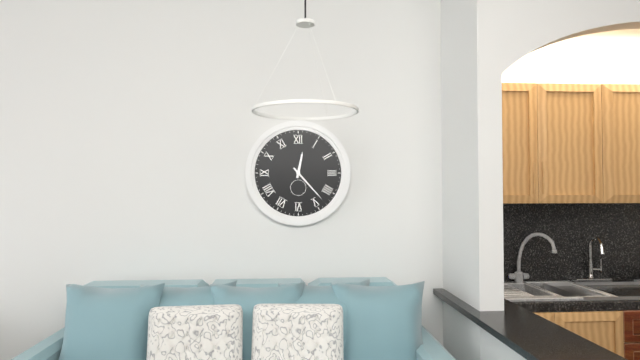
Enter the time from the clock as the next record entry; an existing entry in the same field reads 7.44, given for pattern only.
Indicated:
12.23
